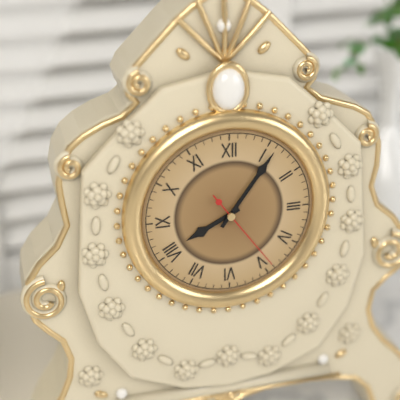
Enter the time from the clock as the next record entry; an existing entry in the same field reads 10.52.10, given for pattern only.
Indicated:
8.06.24
